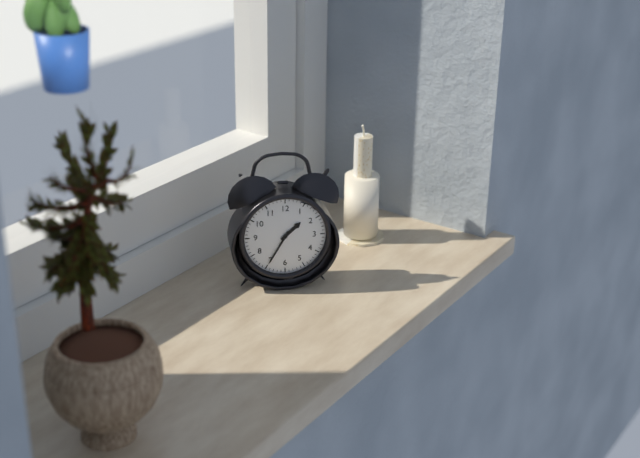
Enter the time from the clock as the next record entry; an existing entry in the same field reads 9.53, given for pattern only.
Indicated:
1.35
